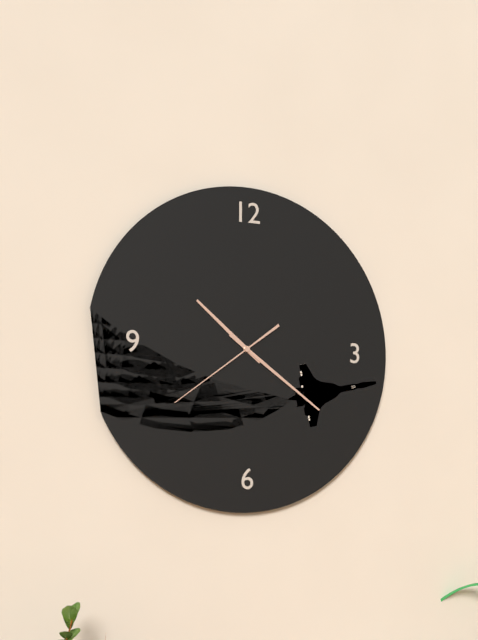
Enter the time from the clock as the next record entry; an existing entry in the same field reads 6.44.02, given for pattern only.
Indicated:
10.21.39
